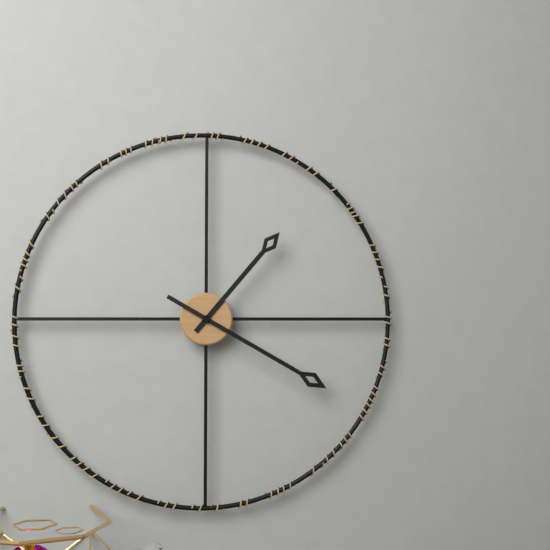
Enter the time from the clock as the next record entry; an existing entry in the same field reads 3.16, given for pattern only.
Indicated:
1.20
